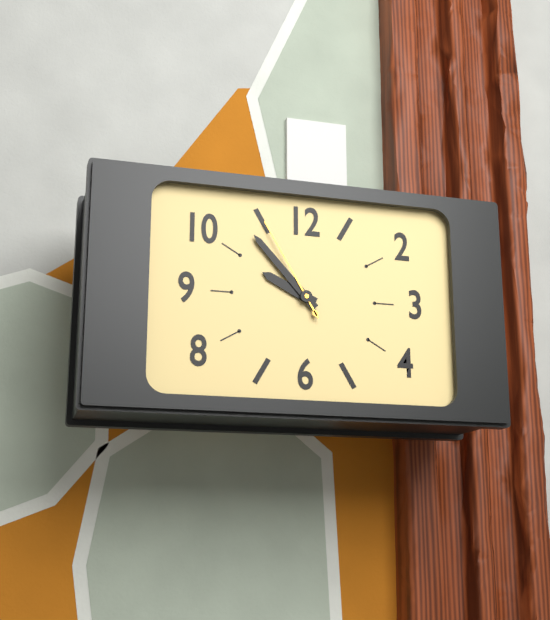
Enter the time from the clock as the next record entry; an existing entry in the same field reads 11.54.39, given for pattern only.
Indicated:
9.53.55
